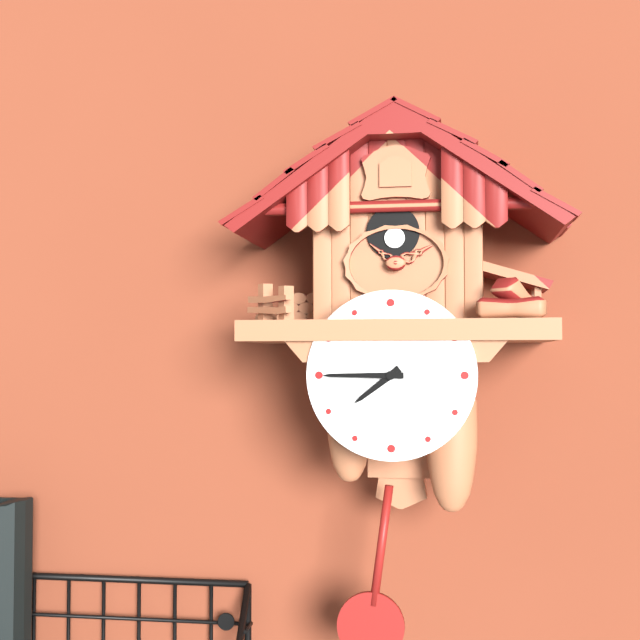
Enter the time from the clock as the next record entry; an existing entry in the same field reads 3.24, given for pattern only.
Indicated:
7.45
